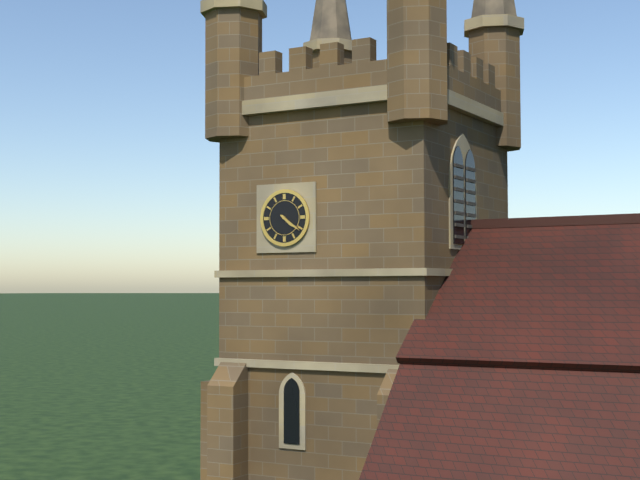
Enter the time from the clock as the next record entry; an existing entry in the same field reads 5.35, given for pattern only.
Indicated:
4.21
